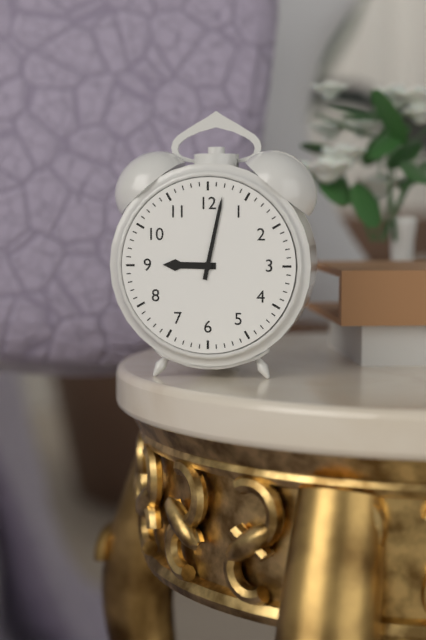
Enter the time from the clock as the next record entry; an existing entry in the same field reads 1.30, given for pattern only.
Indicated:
9.02
